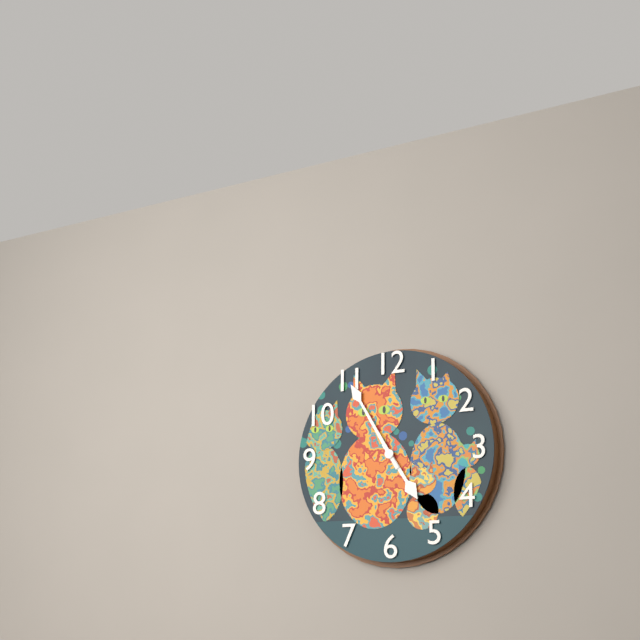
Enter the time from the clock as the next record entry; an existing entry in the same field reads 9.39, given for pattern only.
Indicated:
4.55
